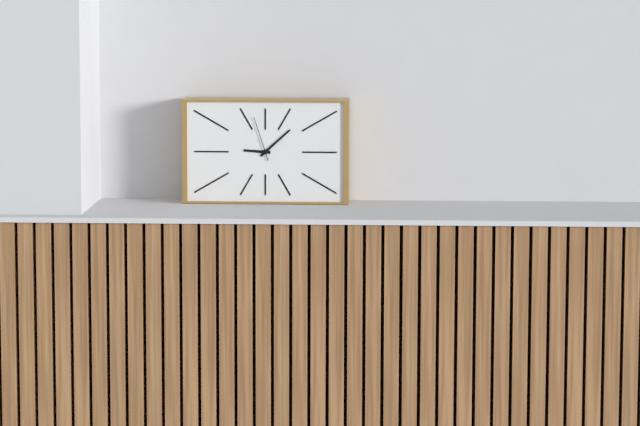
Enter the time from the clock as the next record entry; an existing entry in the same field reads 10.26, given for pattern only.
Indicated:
9.08
